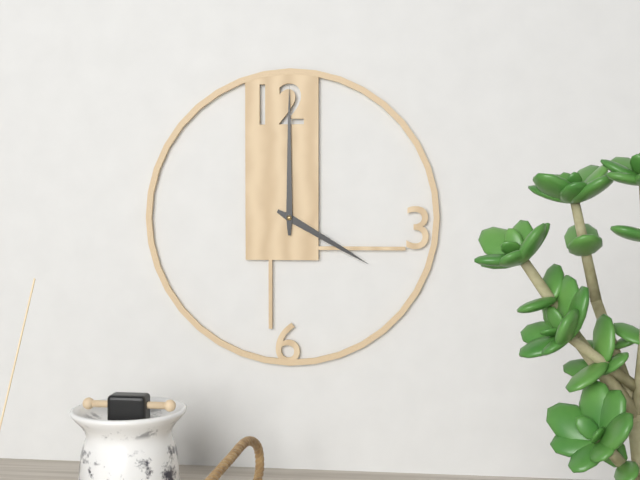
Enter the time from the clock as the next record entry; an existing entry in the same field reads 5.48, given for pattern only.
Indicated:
4.00
